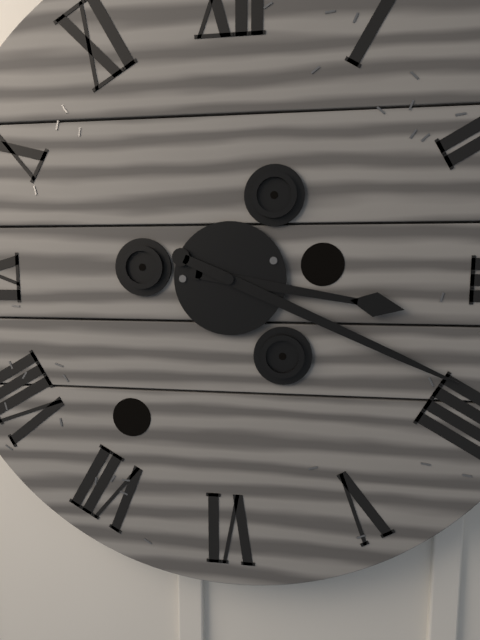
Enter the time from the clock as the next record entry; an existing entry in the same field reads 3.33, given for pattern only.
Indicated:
3.19
